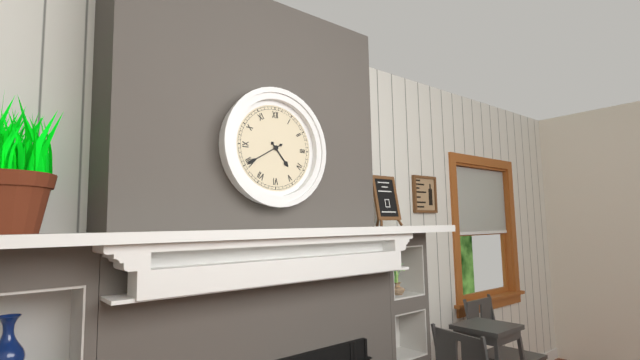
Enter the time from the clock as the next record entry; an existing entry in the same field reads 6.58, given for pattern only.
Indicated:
4.40
